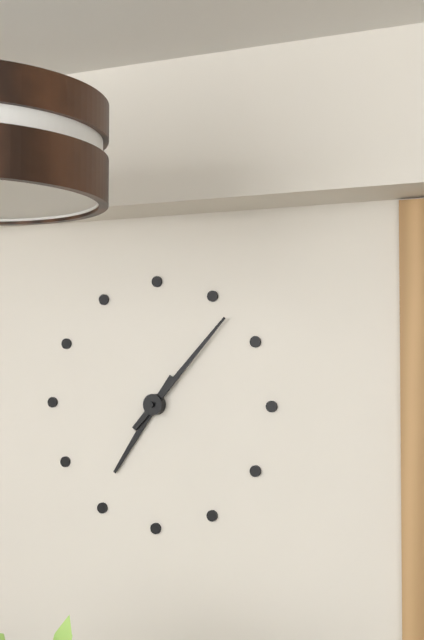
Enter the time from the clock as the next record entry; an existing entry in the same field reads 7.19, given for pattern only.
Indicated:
7.07
